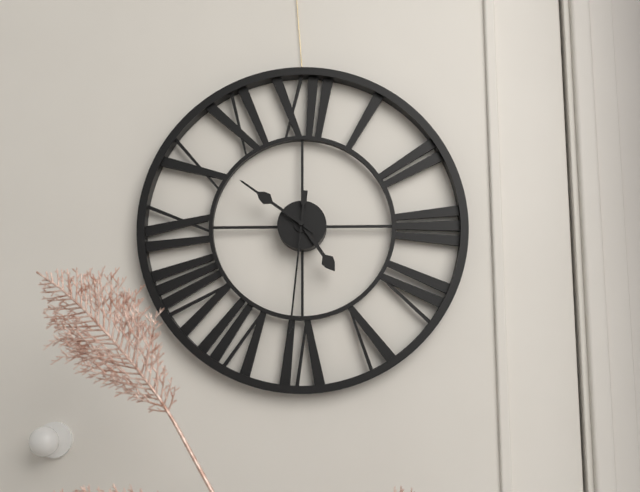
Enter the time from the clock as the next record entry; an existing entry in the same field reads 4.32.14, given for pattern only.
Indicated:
4.51.31
